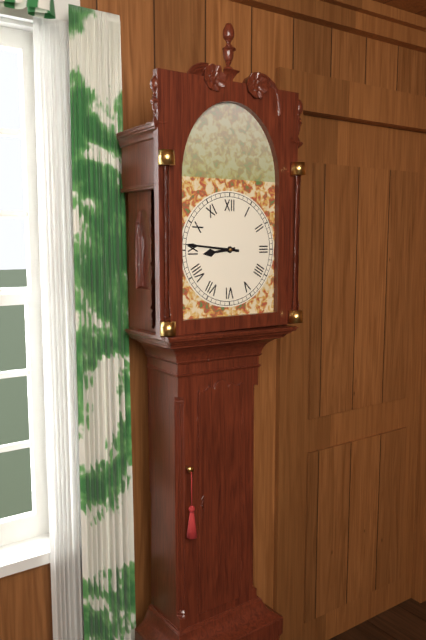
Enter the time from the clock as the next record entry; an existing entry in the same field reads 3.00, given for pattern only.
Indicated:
8.46
